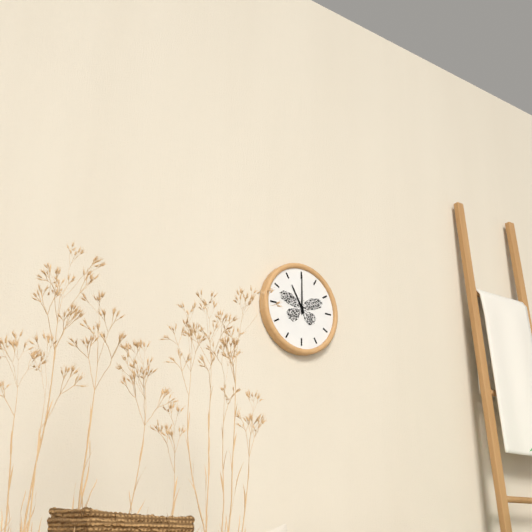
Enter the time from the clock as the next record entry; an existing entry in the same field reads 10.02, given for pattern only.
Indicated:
11.00
